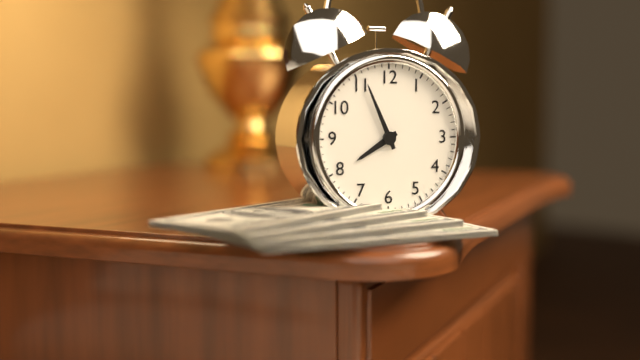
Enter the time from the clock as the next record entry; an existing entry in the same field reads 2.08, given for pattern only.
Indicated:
7.56
